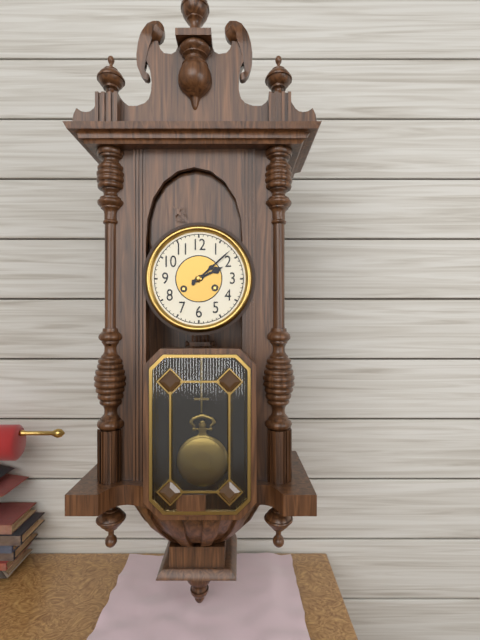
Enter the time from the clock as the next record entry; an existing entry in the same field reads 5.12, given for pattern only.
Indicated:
2.08
